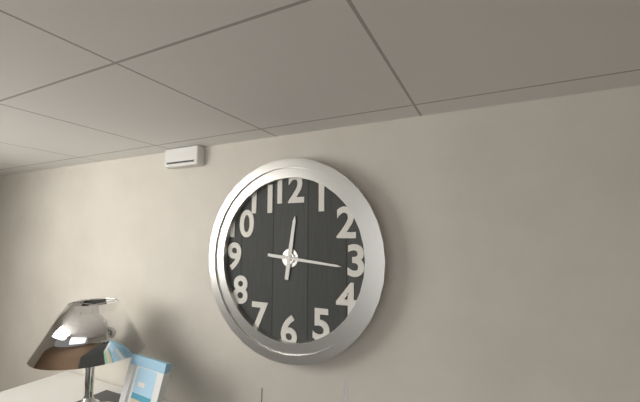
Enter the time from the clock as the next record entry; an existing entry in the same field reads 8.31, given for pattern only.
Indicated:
12.16
